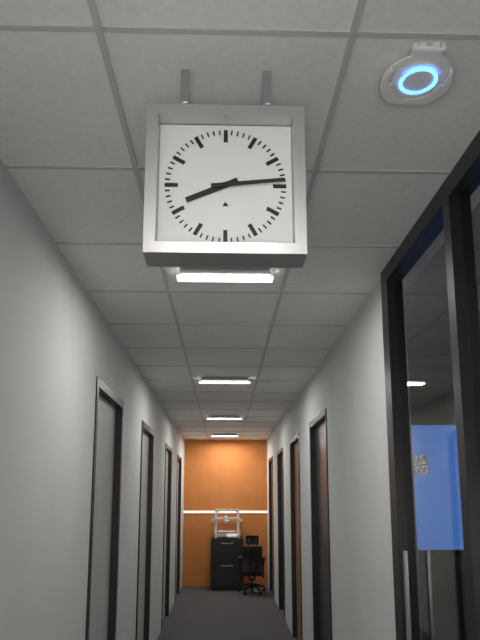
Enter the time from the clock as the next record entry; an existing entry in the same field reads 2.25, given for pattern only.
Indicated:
8.14
